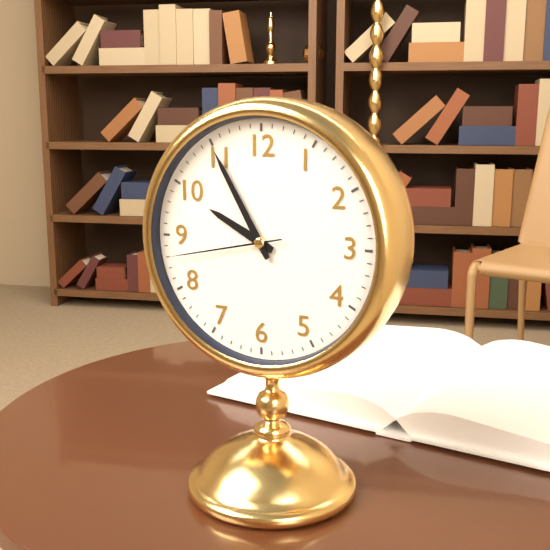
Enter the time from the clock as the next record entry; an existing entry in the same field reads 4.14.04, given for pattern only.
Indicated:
9.55.43
